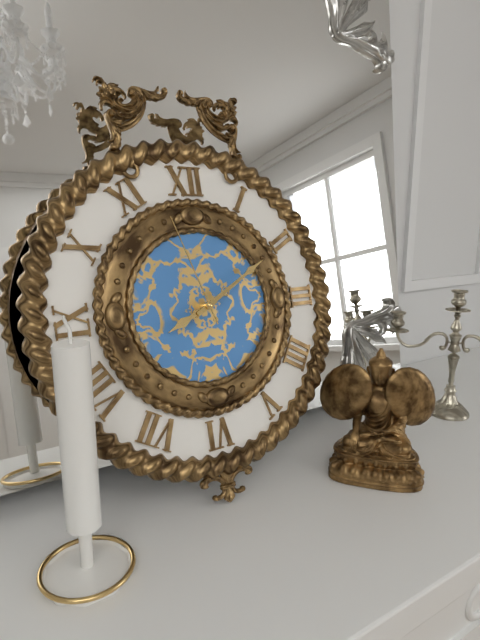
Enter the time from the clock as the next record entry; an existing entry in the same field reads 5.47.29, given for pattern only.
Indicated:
8.10.57
